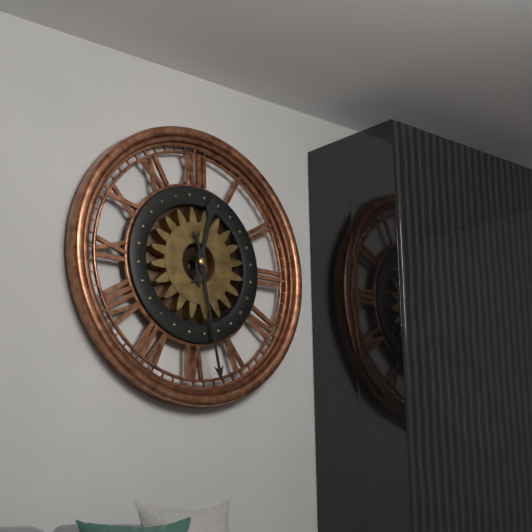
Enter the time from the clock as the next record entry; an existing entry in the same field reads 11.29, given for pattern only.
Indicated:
12.28
